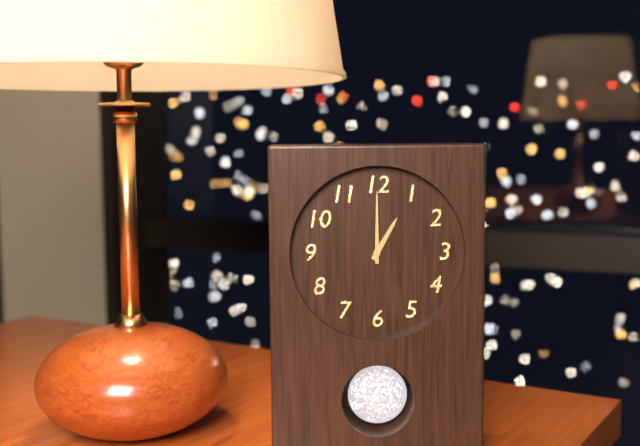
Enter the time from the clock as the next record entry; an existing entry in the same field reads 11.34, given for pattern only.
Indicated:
1.00
